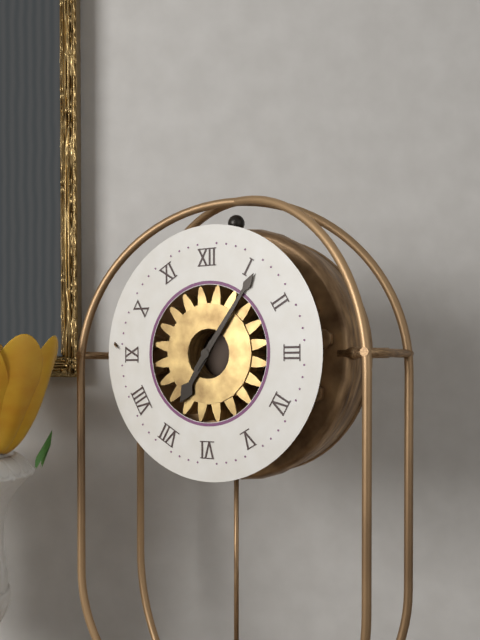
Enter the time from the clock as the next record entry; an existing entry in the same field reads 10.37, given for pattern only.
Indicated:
7.06
